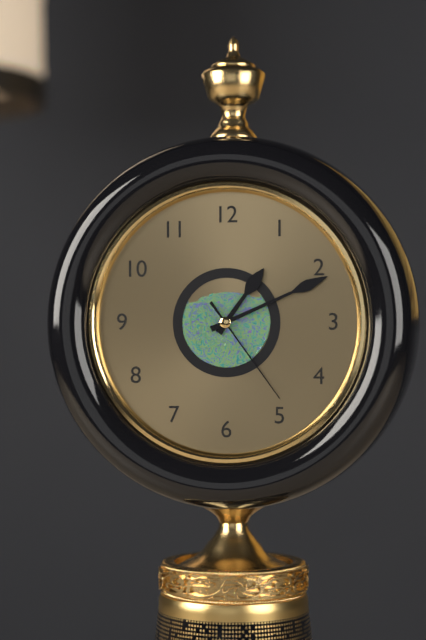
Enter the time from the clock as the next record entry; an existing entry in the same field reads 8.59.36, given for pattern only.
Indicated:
1.11.24
